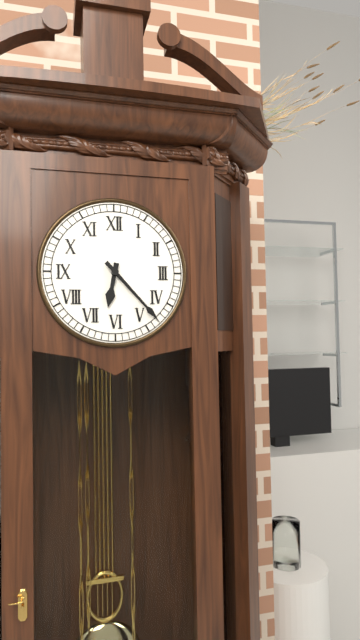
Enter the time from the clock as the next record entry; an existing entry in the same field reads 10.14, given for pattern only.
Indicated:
6.23
